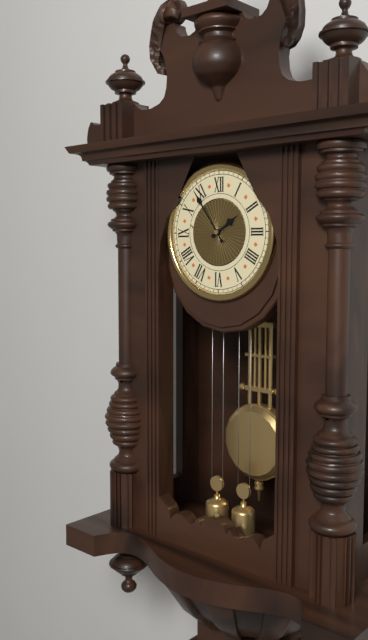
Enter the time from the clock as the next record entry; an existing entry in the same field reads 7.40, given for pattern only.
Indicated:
1.54
